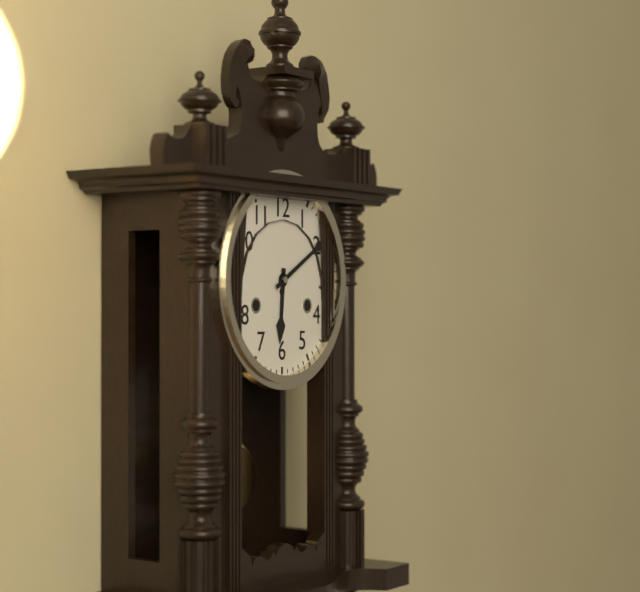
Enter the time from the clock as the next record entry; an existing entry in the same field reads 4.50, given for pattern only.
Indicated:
6.10
